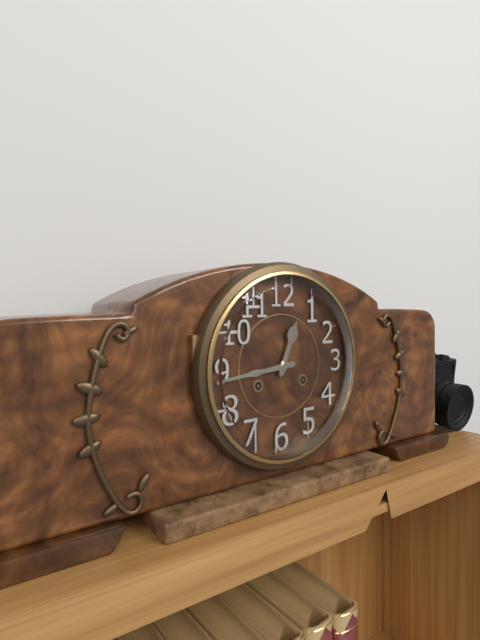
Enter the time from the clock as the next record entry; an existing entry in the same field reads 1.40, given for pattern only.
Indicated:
12.44
